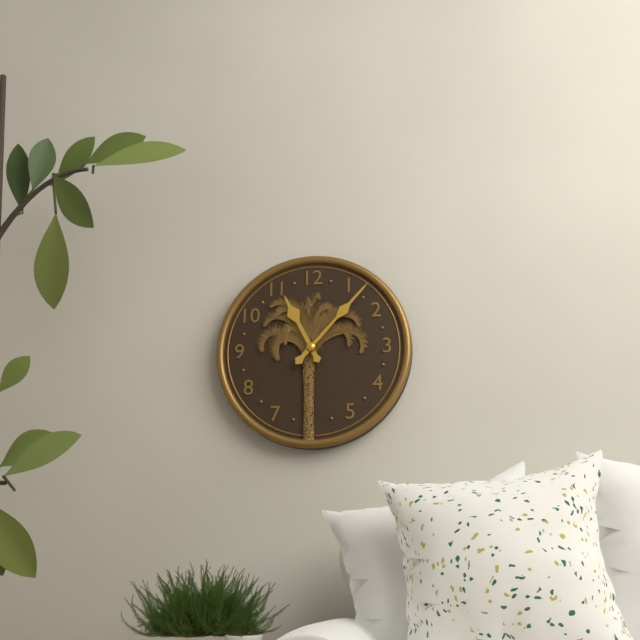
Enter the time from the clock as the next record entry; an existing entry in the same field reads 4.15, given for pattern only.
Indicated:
11.07
